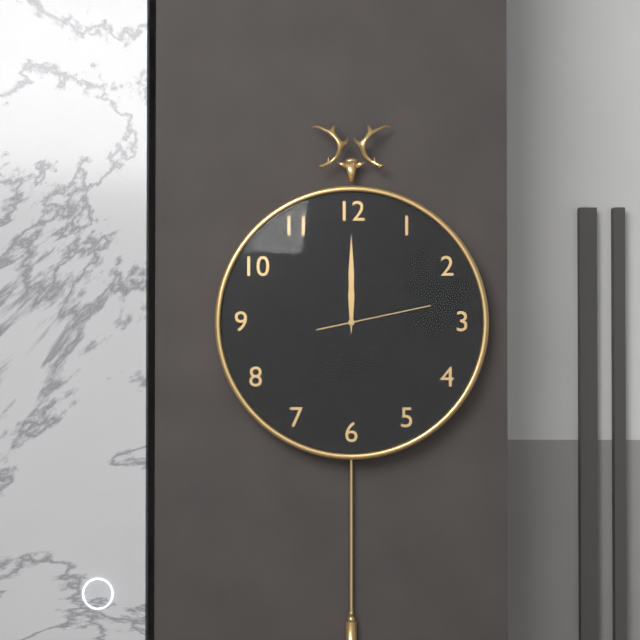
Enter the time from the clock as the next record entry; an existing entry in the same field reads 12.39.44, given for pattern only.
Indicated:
12.00.13
